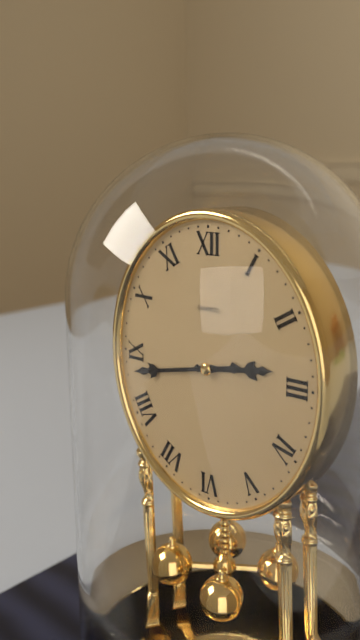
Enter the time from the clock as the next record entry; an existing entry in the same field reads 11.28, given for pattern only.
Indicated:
2.43
